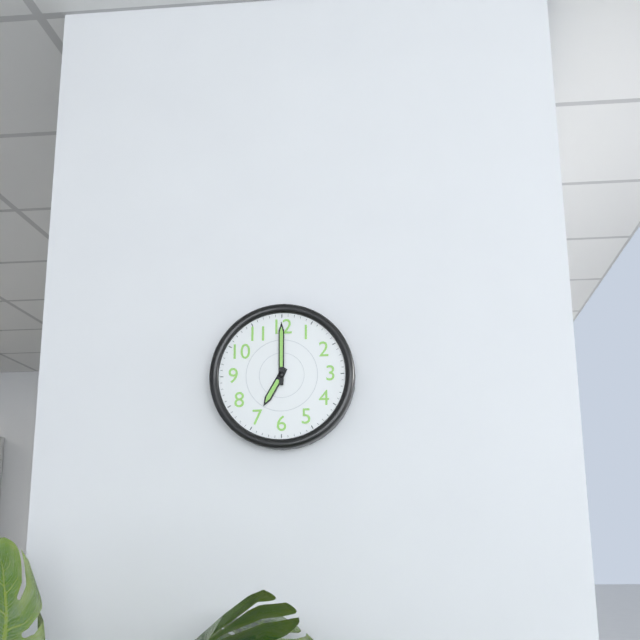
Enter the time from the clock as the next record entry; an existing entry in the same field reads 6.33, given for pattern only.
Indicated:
7.00
